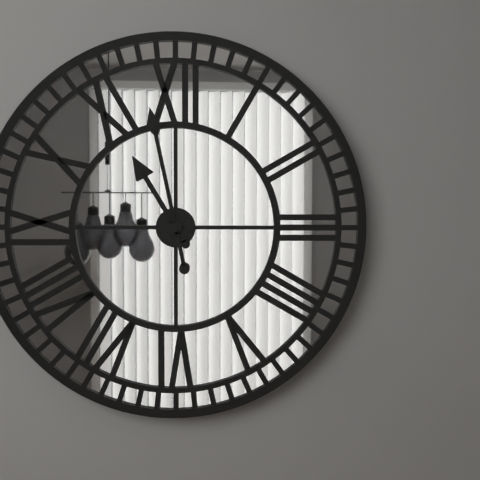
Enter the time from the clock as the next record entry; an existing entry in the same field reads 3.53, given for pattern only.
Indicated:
10.58
